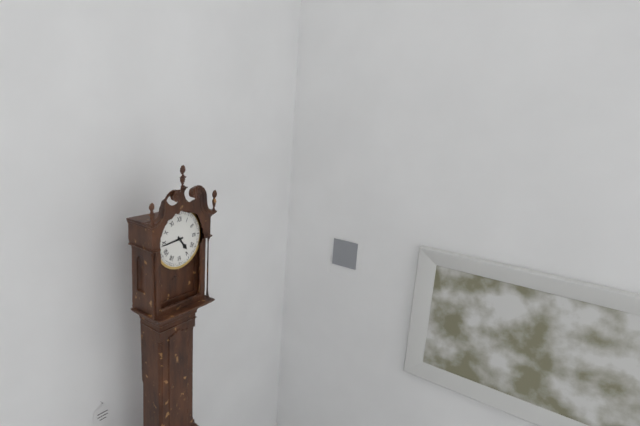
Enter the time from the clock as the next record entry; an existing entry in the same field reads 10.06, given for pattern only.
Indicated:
4.44
